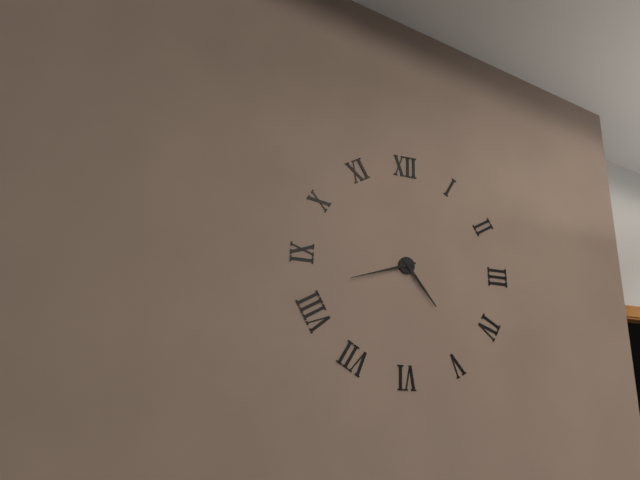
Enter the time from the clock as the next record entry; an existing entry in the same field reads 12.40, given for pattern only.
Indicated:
4.42
